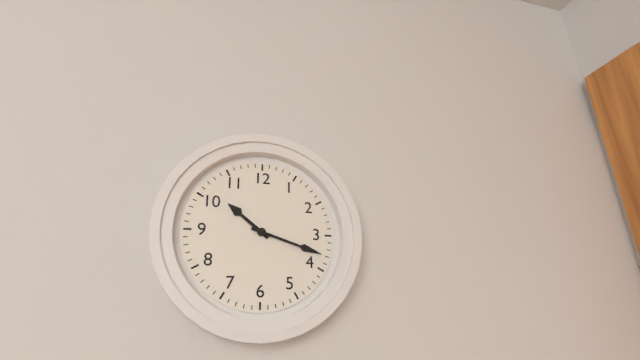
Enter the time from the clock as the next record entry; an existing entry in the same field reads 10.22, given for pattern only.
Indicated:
10.18
